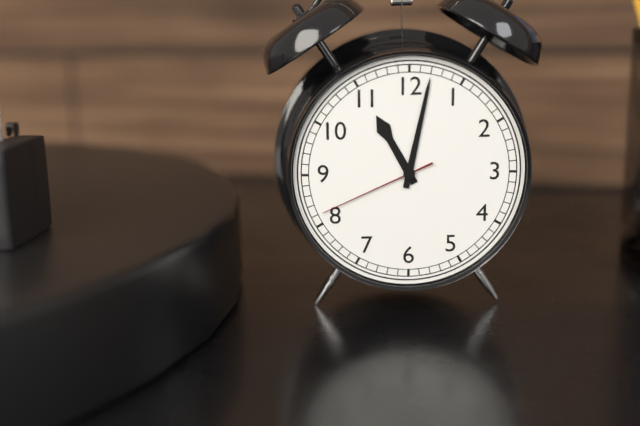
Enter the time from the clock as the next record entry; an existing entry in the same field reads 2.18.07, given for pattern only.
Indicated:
11.02.41
